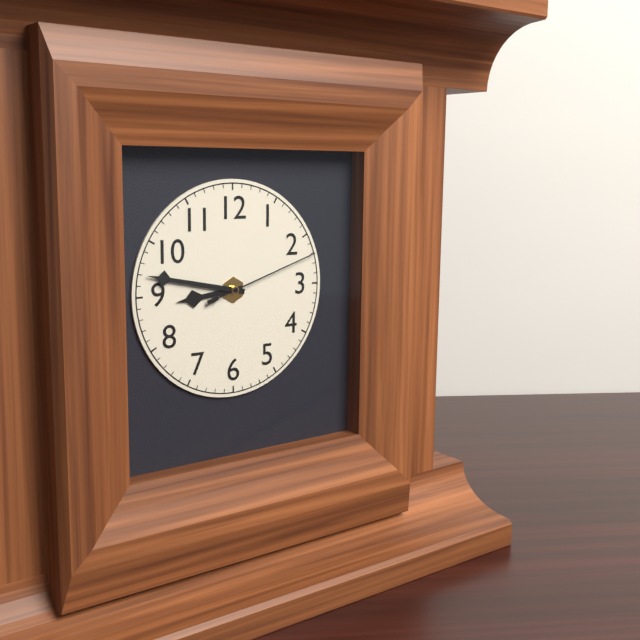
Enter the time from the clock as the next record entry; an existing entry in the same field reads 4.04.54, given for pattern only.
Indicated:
8.47.12
